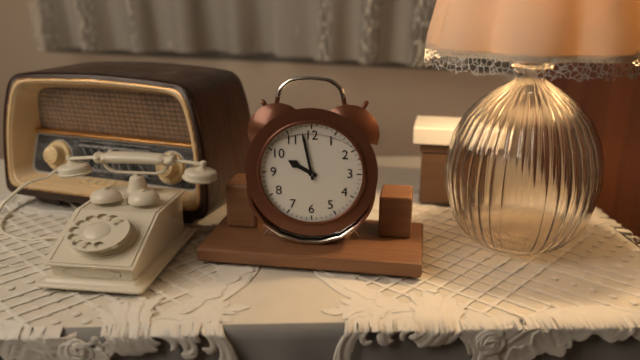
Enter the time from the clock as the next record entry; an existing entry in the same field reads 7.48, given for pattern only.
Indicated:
9.58
